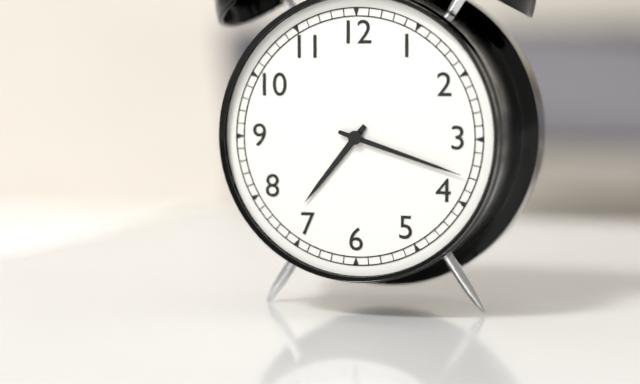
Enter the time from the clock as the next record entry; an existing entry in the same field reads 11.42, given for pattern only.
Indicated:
7.18
